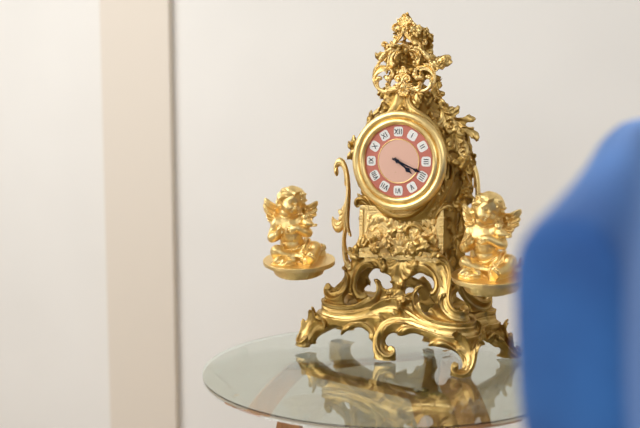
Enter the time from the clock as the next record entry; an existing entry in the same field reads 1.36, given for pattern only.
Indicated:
4.19
